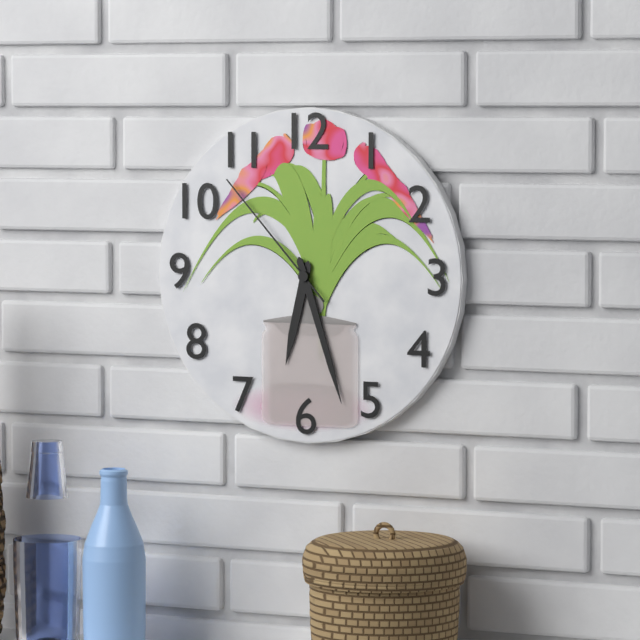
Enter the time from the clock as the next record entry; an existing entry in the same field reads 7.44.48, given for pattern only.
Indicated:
6.27.53
